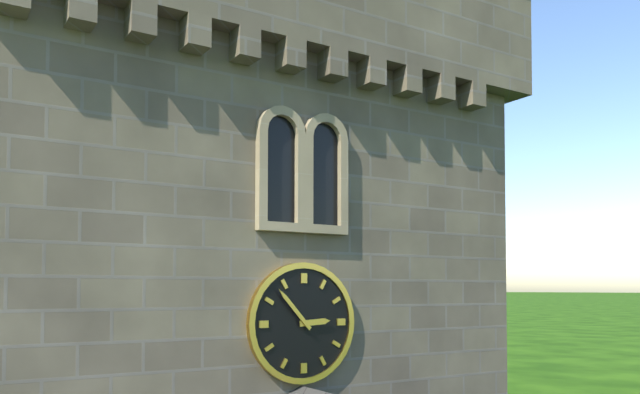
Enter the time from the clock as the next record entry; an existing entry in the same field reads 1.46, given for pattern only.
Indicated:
2.53
